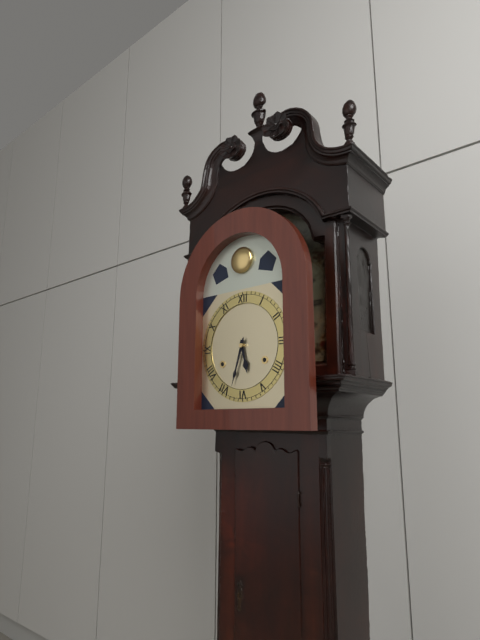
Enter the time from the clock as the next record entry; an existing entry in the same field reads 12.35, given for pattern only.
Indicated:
5.33
